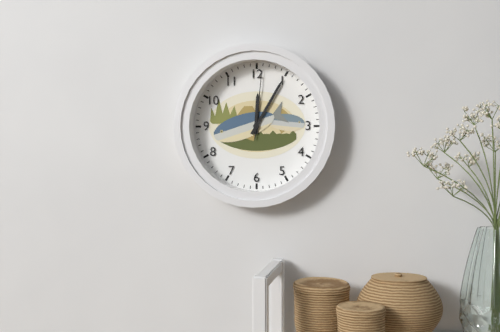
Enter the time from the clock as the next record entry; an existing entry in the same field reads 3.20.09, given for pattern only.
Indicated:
12.05.01
